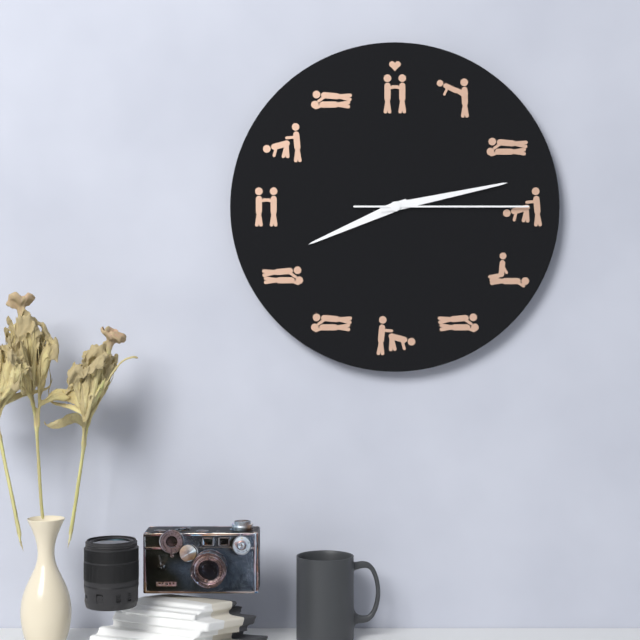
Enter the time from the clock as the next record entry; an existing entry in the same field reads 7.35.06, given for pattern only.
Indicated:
8.13.15
